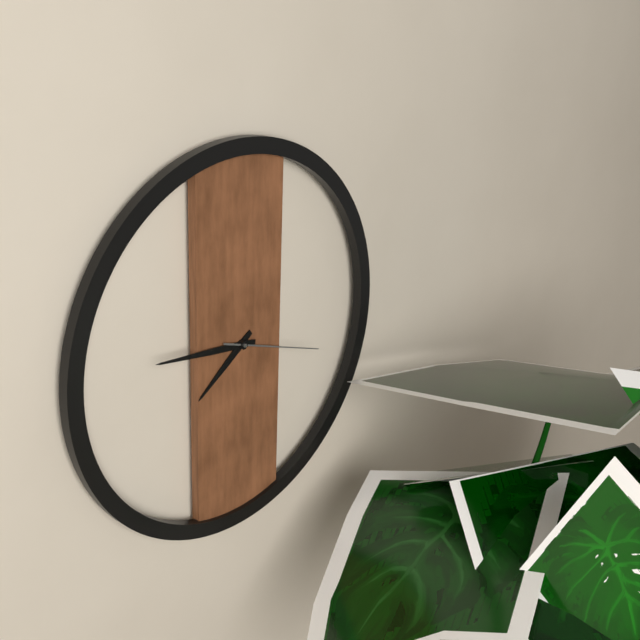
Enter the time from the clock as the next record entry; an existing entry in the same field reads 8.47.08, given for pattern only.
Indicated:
7.46.18
